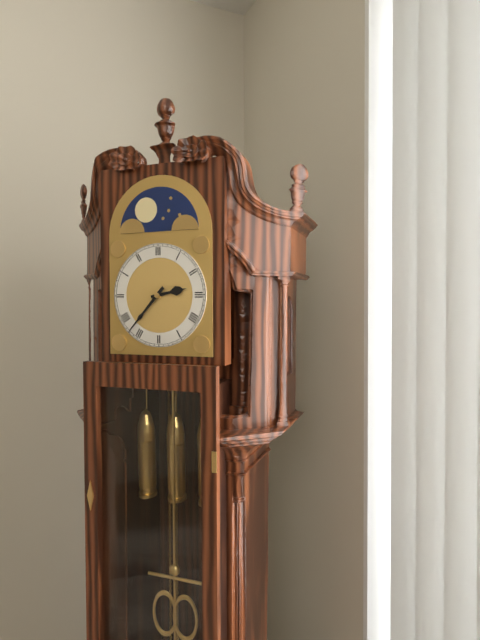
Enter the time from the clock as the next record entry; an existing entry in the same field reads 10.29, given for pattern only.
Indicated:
2.37
